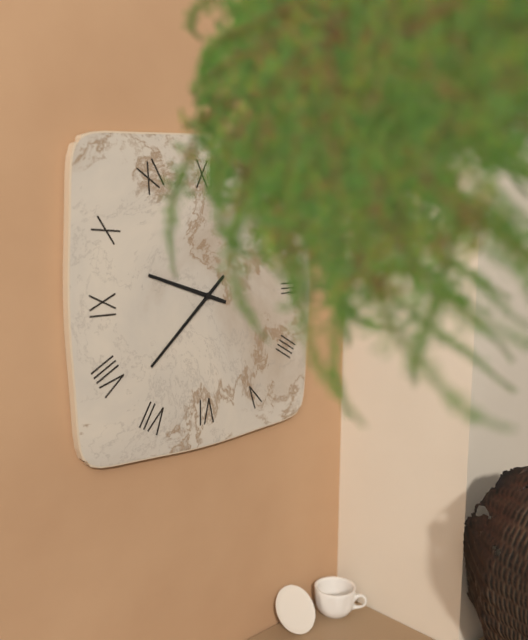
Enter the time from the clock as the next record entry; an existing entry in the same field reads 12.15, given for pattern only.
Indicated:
9.38
